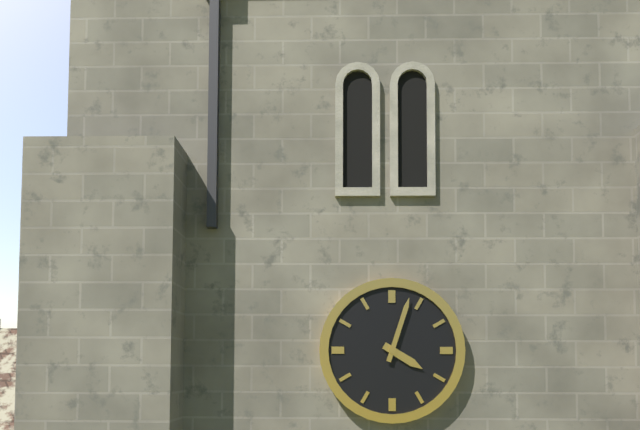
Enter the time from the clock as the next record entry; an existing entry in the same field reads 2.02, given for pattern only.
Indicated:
4.03
